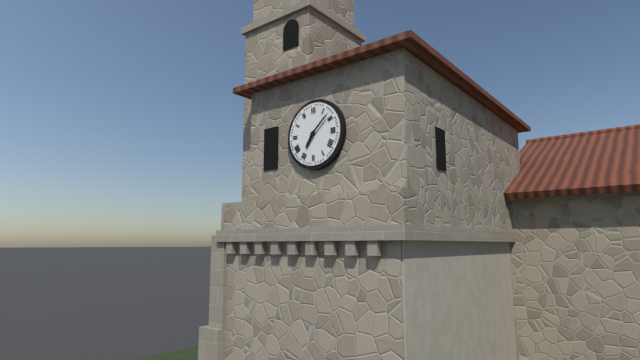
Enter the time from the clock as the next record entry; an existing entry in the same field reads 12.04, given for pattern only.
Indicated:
7.08
